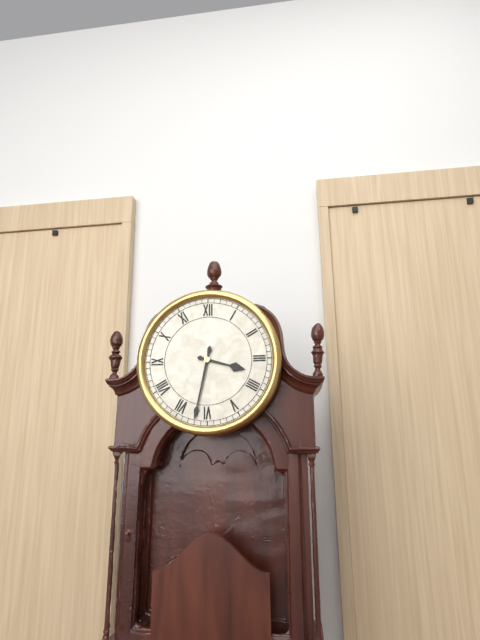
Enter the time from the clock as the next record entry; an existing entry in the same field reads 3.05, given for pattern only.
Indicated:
3.32
